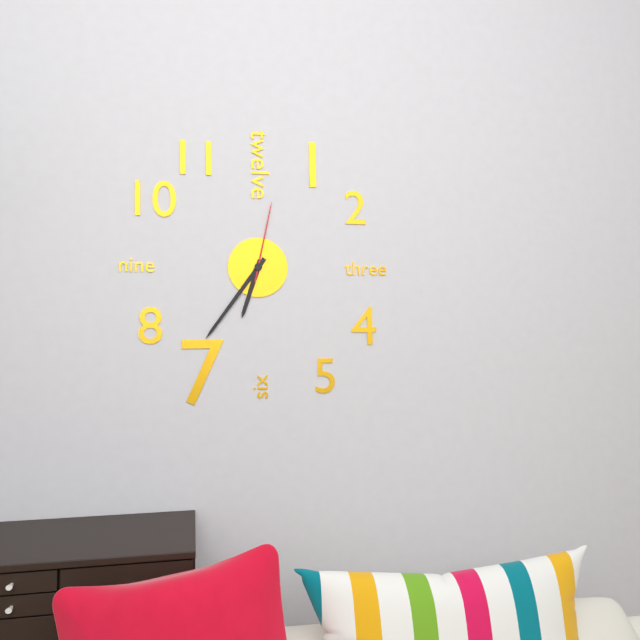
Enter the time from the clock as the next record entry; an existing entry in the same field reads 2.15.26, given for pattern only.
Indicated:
6.36.02
